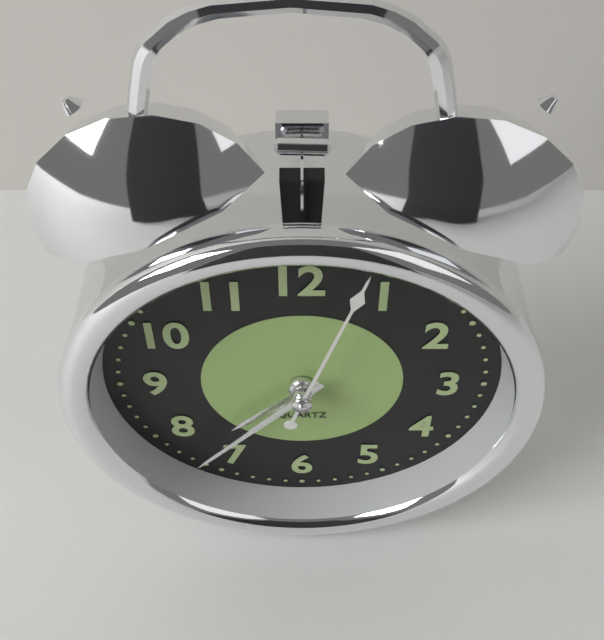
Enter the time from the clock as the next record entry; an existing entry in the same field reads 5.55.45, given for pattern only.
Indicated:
7.37.03
